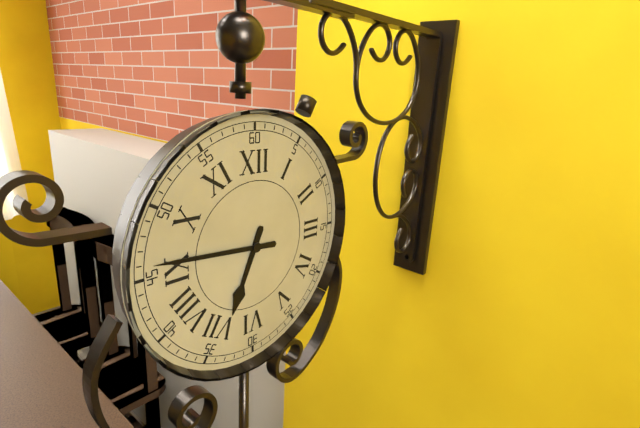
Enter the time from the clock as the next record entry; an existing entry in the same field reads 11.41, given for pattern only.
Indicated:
6.46
